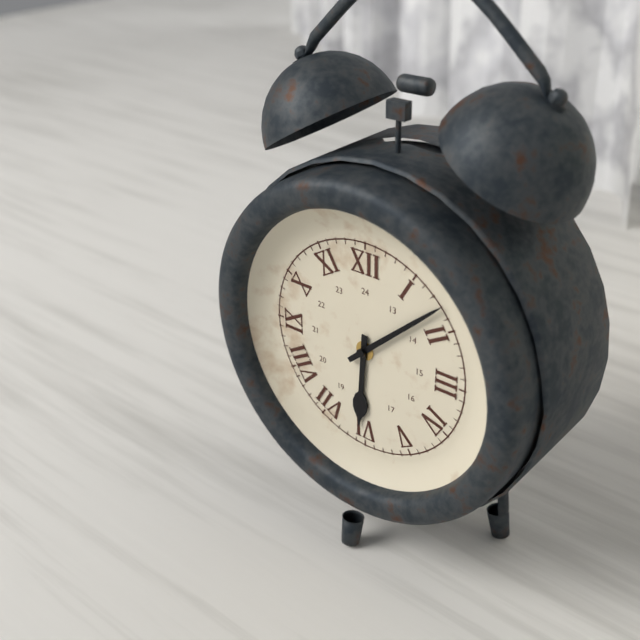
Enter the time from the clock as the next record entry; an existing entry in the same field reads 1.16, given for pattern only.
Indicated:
6.08
